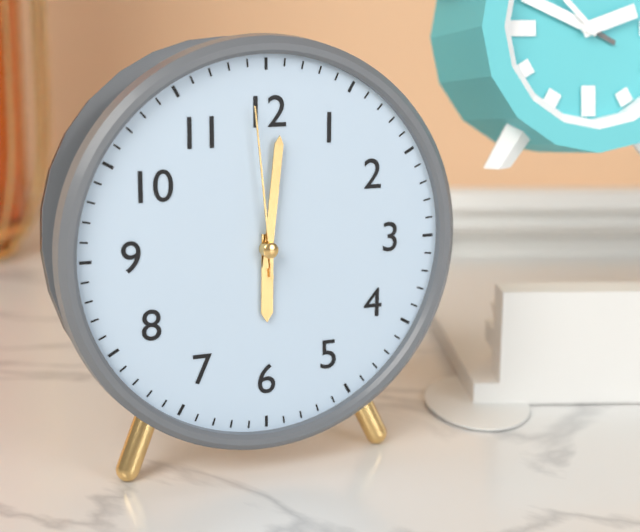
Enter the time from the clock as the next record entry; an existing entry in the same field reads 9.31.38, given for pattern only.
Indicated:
6.01.59
